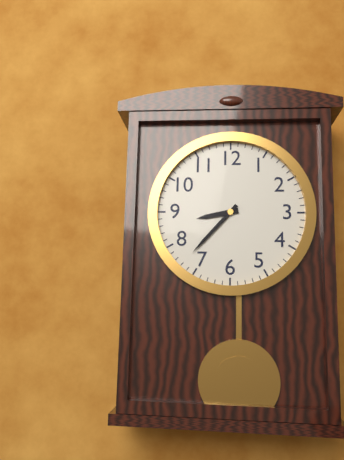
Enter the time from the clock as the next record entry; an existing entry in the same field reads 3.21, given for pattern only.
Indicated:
8.37
